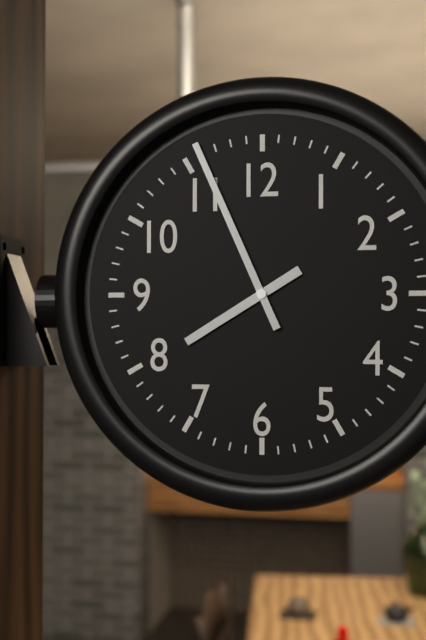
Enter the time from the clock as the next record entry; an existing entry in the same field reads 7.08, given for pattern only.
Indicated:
7.56
